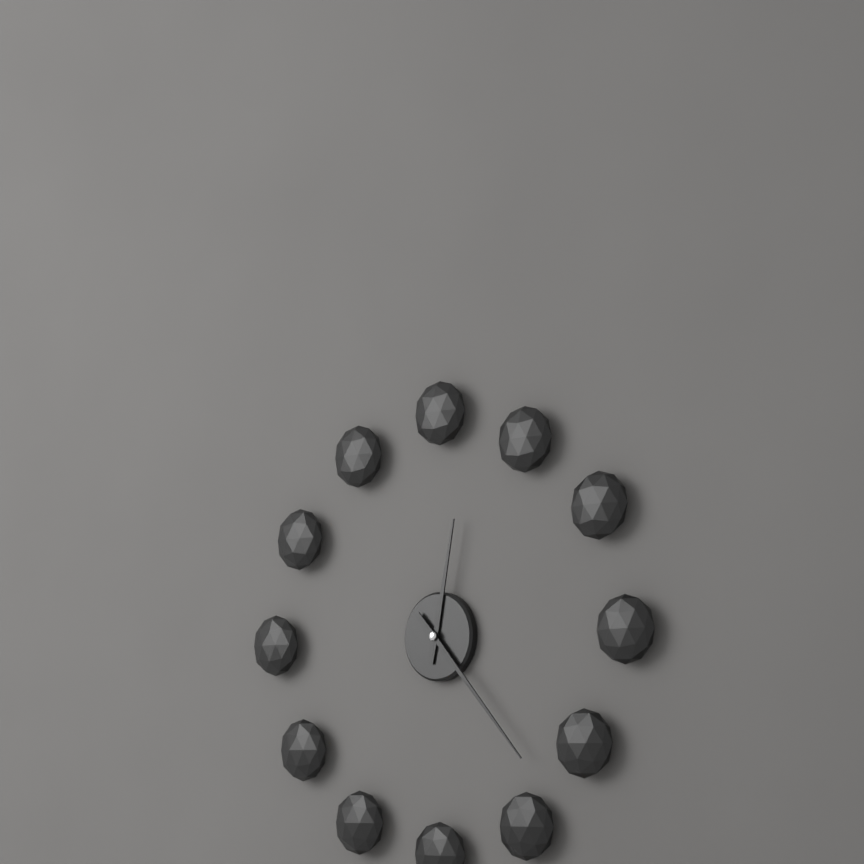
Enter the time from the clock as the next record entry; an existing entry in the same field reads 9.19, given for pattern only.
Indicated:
12.23
